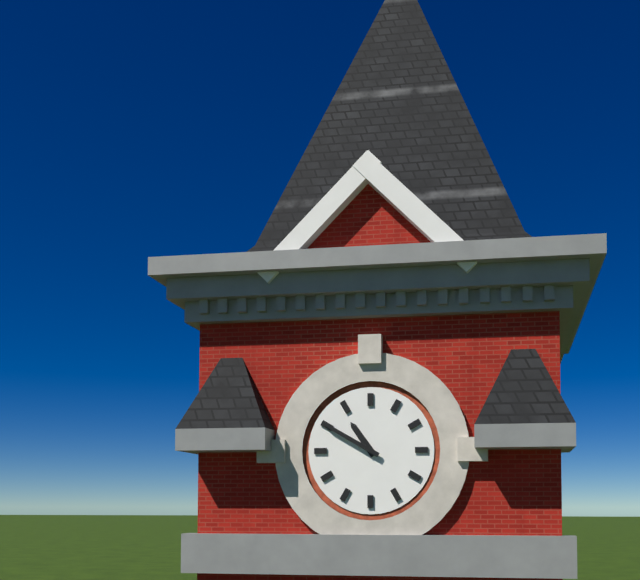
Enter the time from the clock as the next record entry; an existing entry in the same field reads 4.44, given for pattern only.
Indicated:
10.50
